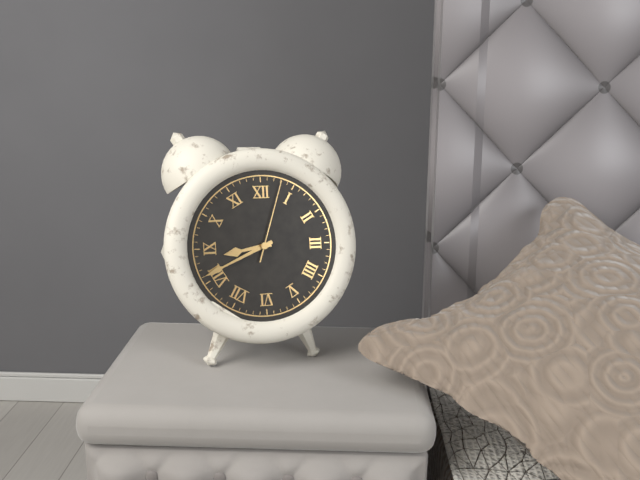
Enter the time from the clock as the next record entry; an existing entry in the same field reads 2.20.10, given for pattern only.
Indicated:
8.41.03
